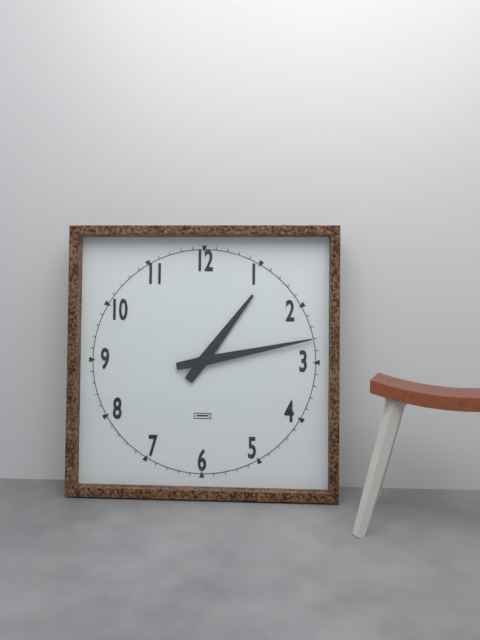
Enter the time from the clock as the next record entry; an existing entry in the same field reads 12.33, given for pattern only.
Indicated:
1.13
